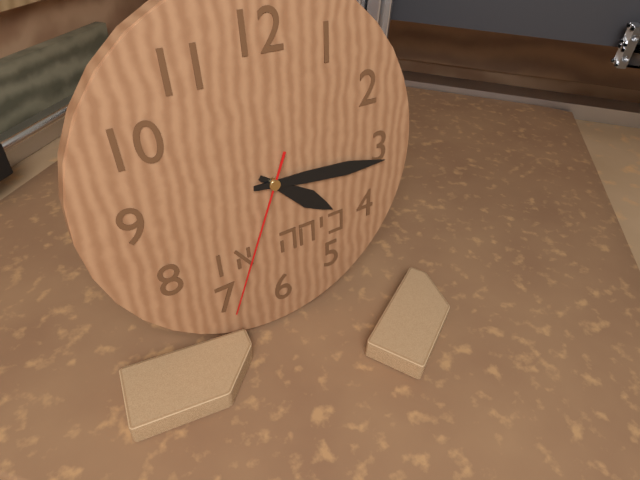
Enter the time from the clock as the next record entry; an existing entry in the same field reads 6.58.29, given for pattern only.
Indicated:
4.16.34
